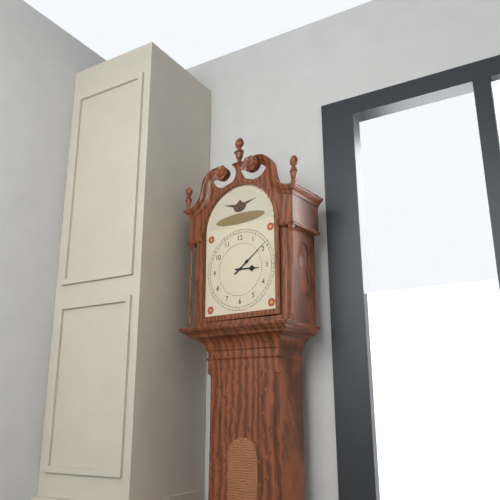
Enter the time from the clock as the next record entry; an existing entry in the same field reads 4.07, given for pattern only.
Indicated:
3.09
